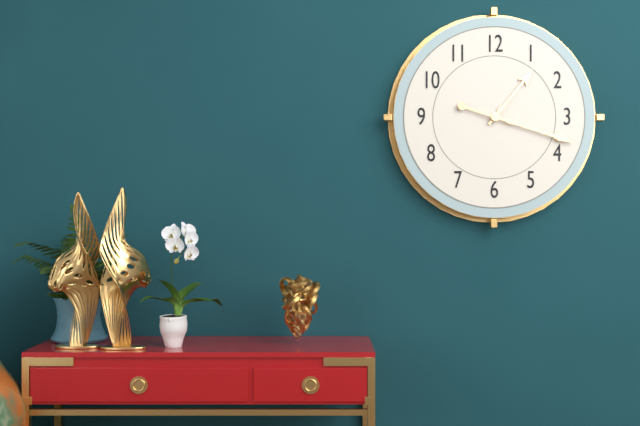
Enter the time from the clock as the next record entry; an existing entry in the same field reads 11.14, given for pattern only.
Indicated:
1.18
